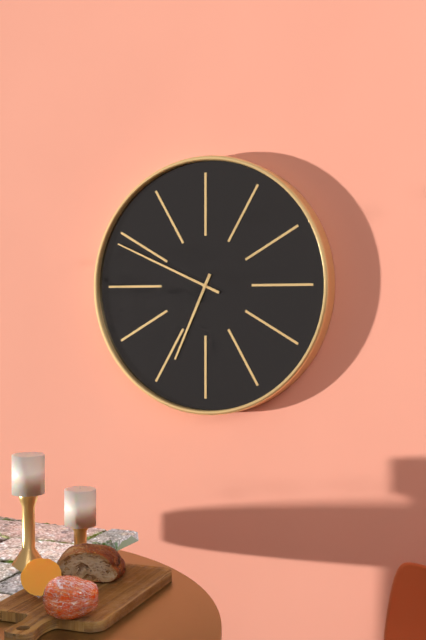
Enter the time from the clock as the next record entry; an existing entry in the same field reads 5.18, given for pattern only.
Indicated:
6.49
